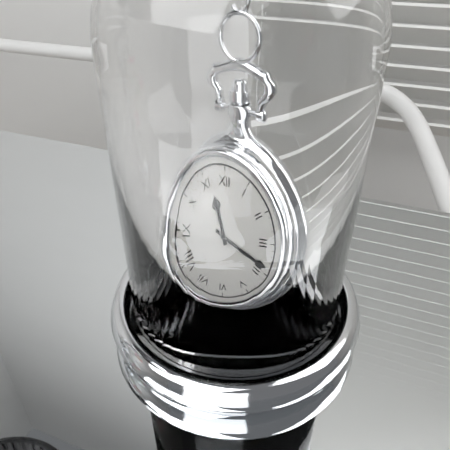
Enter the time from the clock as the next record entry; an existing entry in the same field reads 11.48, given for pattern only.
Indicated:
11.19
